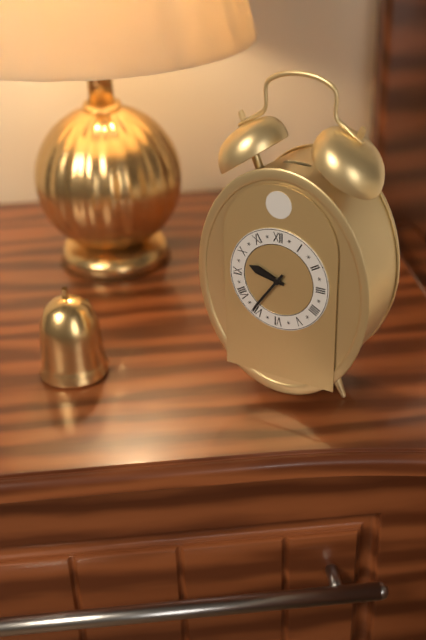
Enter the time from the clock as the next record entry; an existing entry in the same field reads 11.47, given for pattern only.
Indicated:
9.36
